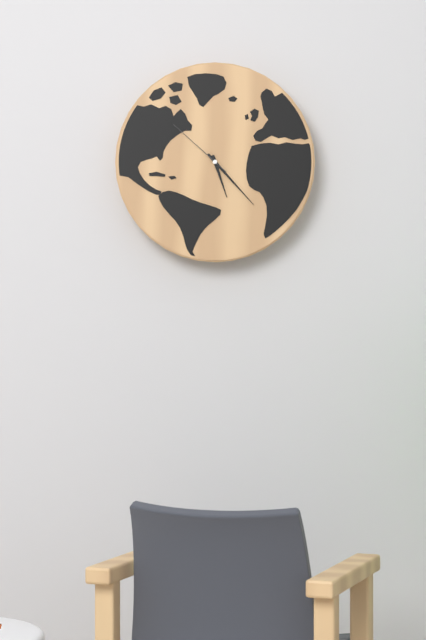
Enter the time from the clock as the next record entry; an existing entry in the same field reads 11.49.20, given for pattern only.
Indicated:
5.23.52
